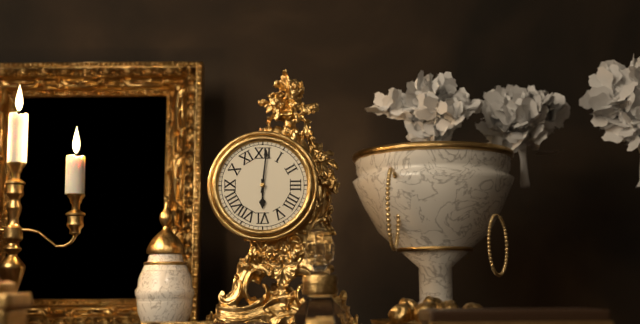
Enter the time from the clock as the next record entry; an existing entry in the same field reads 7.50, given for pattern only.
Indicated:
6.01
